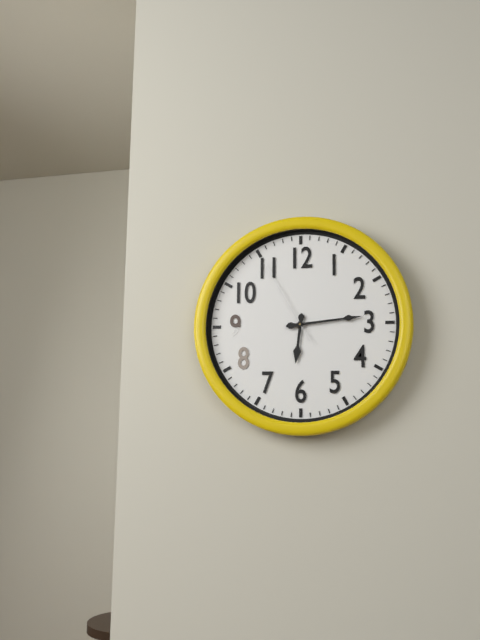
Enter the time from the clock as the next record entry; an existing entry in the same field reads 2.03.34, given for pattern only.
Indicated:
6.14.55
